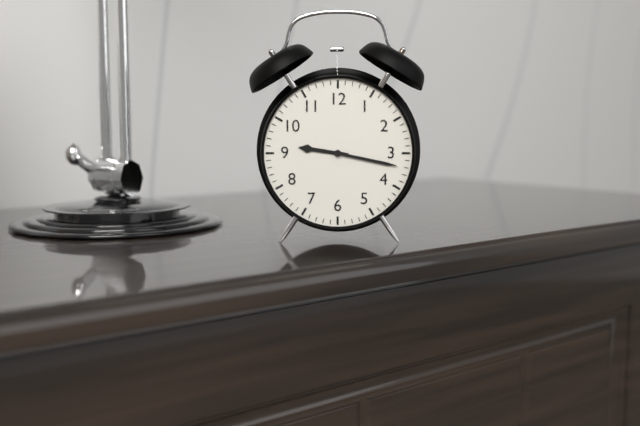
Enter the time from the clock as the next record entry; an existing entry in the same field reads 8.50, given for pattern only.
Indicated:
9.17
